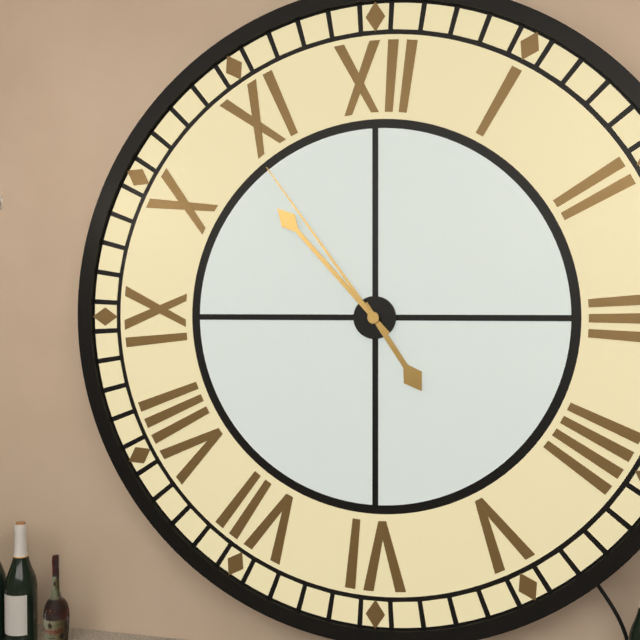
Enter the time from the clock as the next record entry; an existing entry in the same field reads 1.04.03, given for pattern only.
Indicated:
4.53.54
